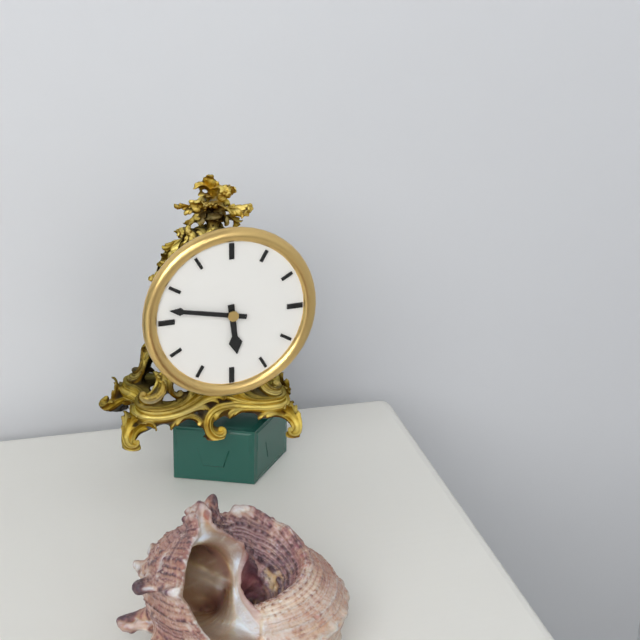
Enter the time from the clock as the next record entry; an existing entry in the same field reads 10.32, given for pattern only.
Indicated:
5.47
